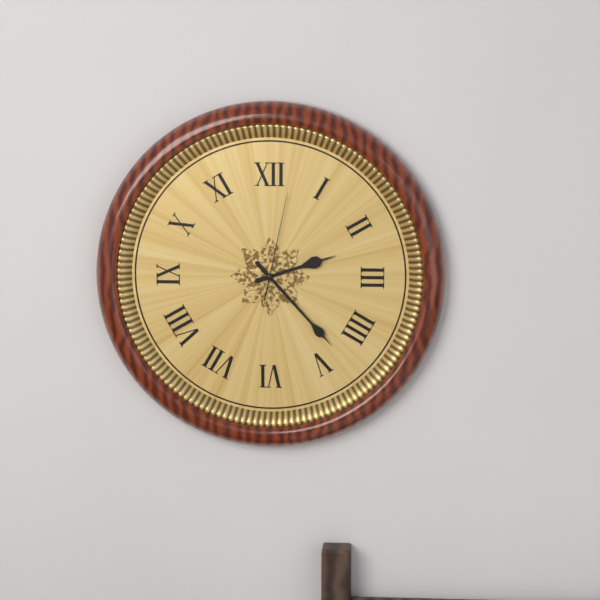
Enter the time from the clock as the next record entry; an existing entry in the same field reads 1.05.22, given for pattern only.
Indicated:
2.23.02
